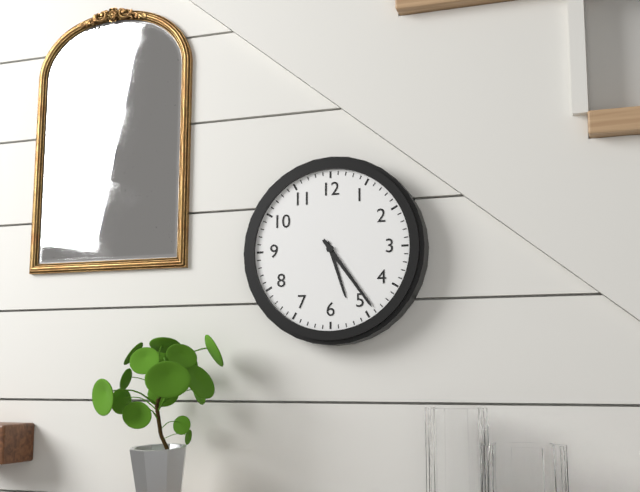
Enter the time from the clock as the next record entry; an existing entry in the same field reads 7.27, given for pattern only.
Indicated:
5.24
